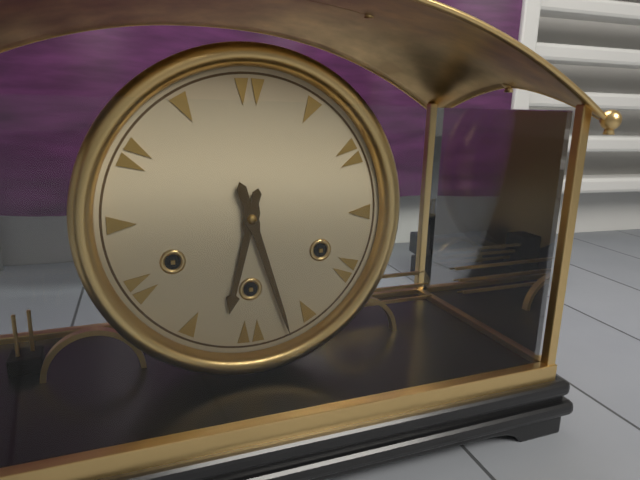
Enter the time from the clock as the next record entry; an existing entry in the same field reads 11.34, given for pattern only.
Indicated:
6.27
